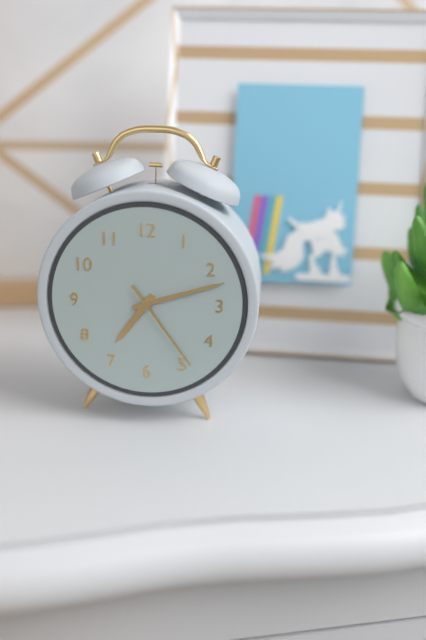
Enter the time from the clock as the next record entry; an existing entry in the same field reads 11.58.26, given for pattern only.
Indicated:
7.12.24
